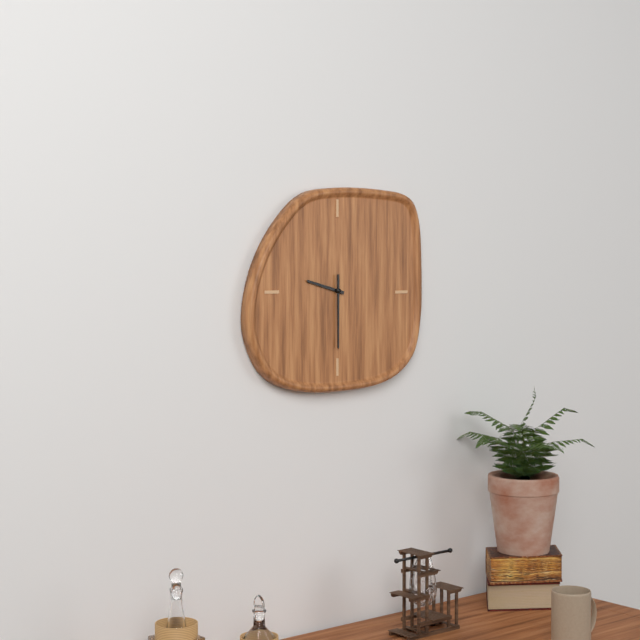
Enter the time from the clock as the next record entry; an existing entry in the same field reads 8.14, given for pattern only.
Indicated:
9.30
